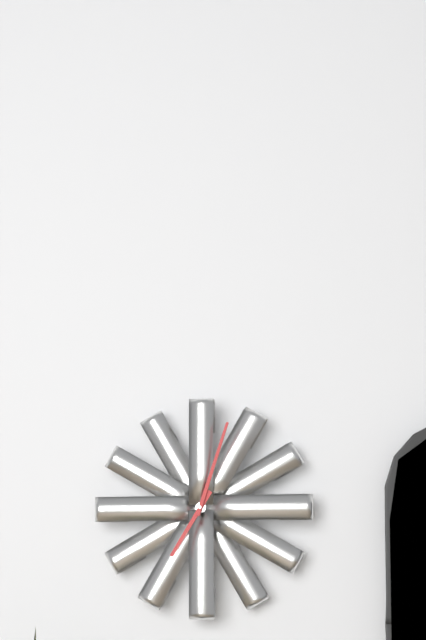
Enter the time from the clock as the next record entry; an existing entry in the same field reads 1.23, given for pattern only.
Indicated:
7.03
